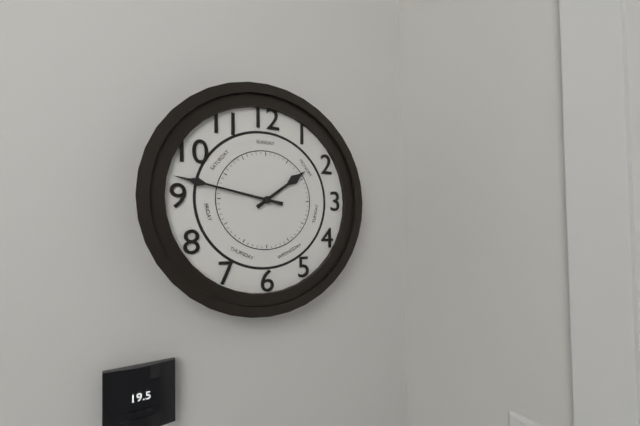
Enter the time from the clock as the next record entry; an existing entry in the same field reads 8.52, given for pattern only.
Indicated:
1.47
